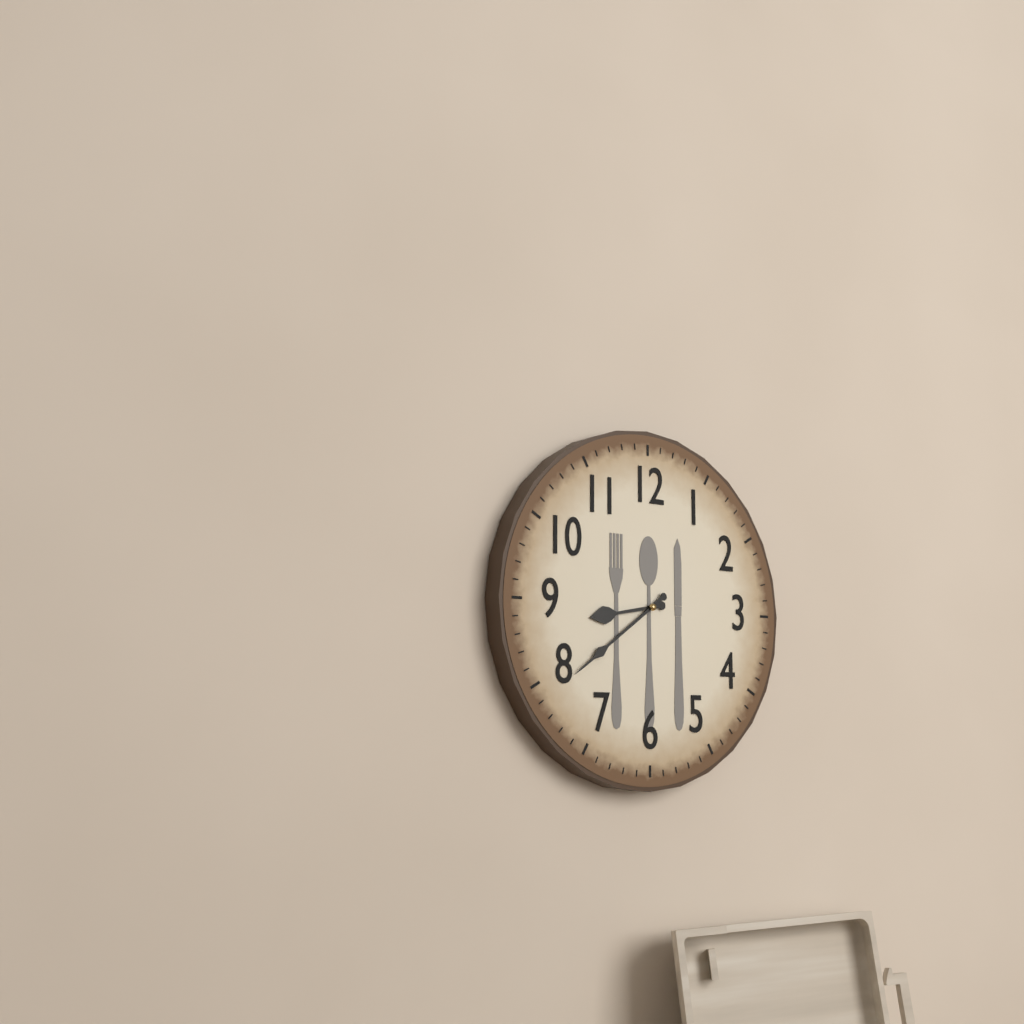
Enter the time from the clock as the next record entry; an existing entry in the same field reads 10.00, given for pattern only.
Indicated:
8.39
